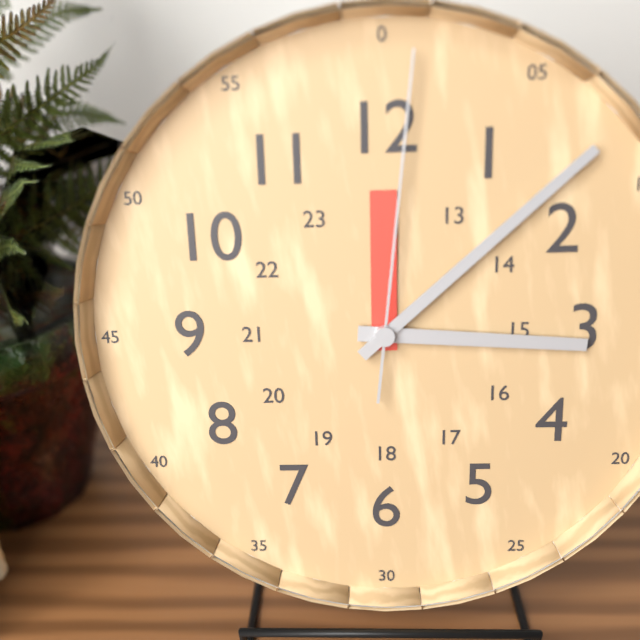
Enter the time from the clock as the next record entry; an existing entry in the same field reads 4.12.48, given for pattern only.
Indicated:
3.08.01
